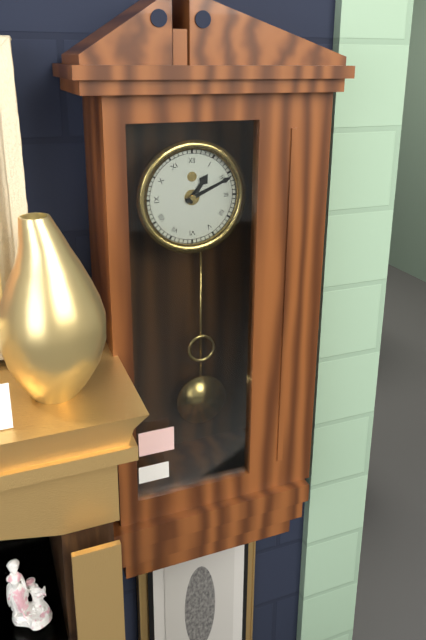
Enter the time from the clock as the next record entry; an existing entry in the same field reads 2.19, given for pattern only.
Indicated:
1.11
